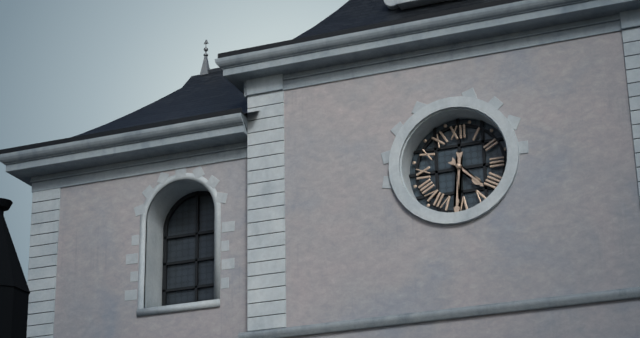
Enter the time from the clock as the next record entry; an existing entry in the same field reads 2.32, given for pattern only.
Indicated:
4.31
